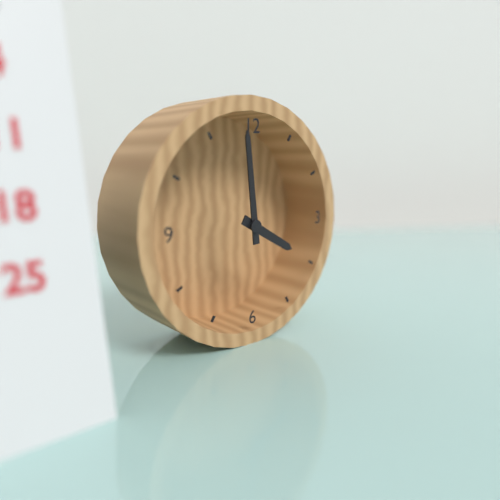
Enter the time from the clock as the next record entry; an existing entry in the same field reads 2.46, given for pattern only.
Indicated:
3.59
